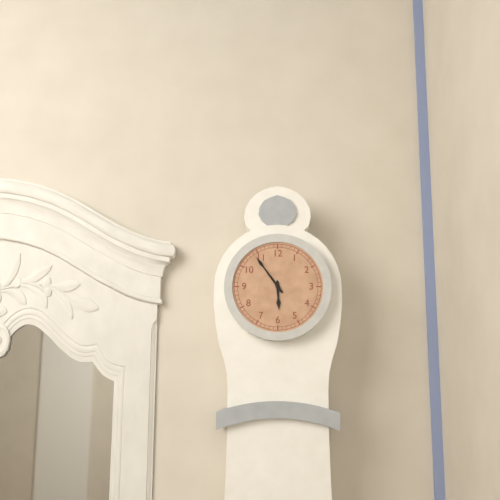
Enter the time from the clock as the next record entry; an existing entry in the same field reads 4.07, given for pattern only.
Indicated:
5.54
